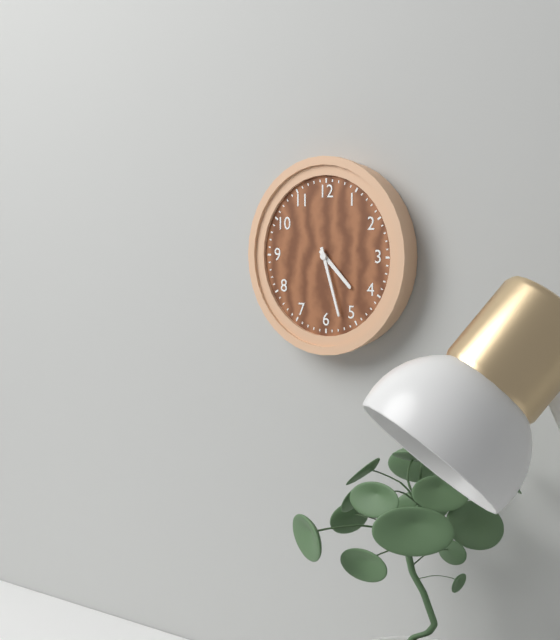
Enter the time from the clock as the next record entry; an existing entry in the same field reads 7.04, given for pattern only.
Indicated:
4.27
